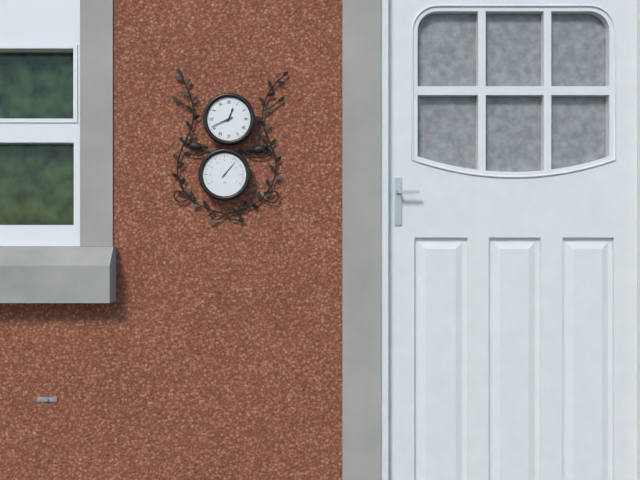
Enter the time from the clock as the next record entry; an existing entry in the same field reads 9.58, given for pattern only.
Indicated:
12.41
